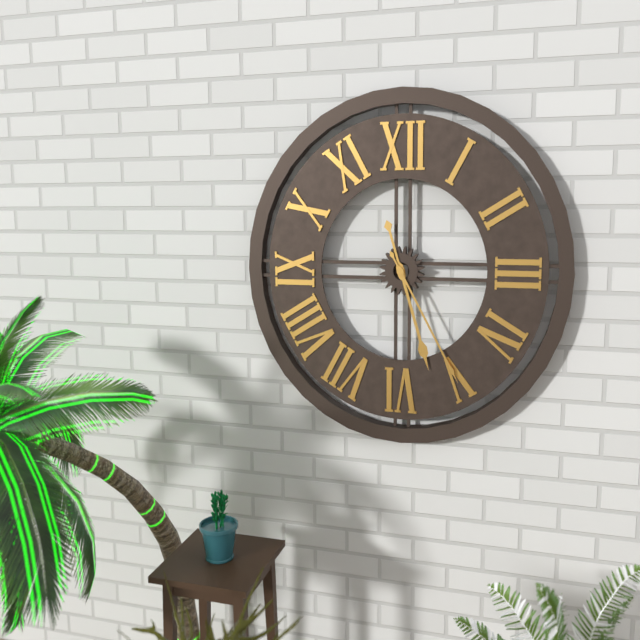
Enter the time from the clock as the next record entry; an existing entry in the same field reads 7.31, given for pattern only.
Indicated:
5.25
